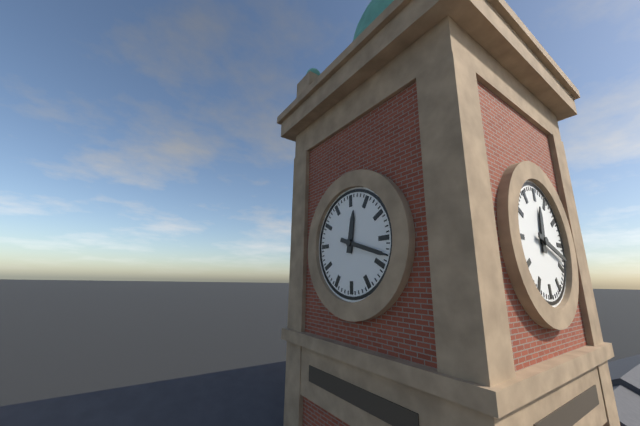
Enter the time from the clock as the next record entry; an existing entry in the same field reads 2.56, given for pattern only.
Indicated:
12.18
